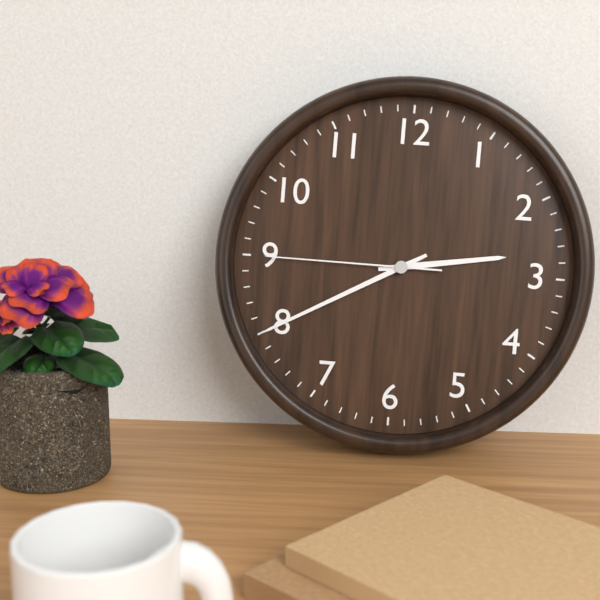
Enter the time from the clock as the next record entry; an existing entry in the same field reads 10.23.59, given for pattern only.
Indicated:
2.40.45
